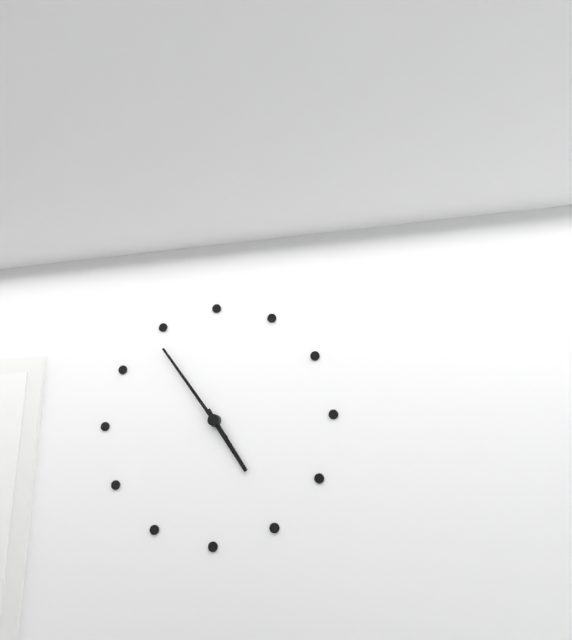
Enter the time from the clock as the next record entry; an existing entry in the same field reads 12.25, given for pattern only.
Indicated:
4.54
